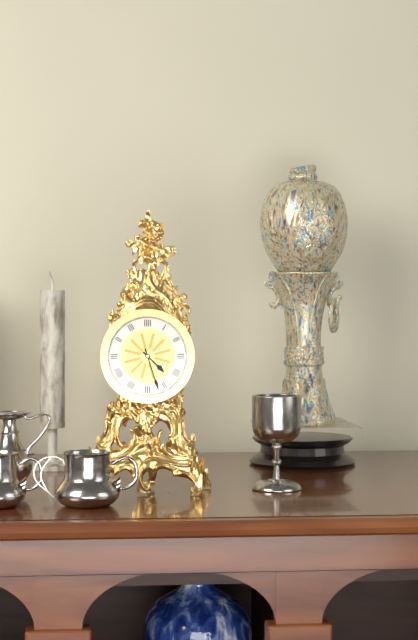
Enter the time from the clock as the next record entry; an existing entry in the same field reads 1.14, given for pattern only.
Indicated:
4.27
